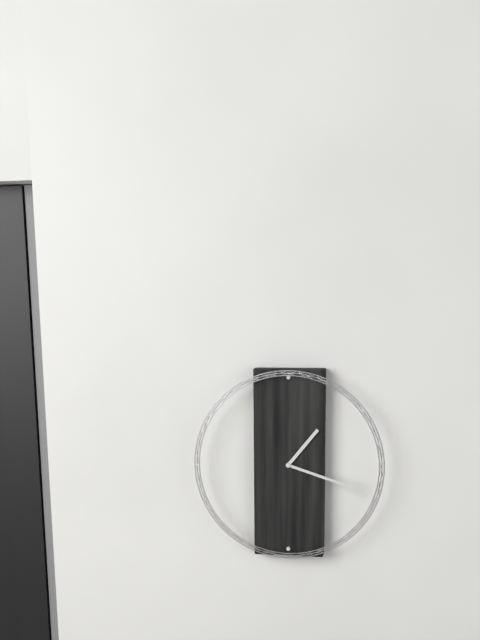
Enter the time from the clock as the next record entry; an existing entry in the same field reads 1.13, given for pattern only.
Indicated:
1.18
